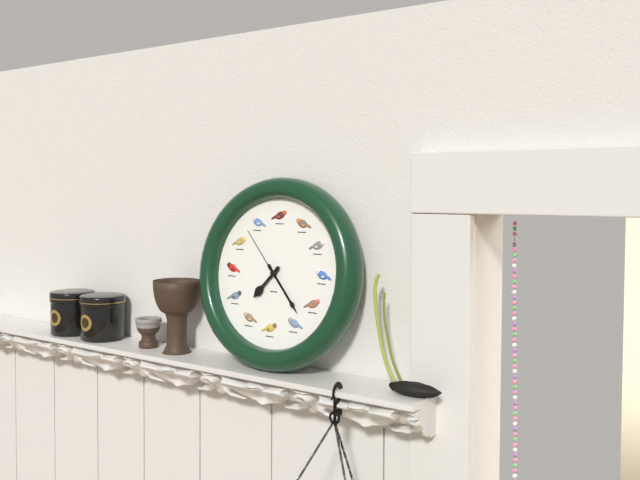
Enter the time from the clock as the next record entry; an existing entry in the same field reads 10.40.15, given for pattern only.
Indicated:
7.23.53
